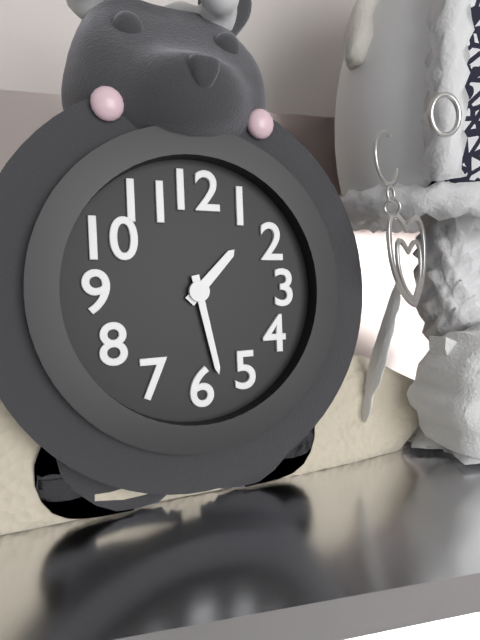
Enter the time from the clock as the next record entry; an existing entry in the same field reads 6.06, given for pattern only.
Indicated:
1.28
